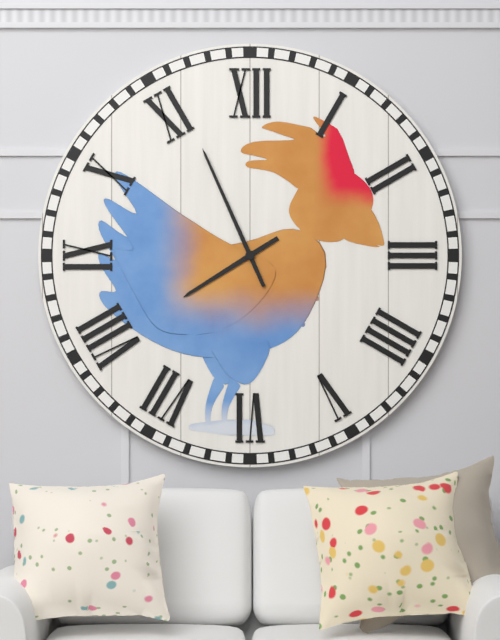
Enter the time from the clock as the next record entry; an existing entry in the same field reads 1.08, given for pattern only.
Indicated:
7.56
